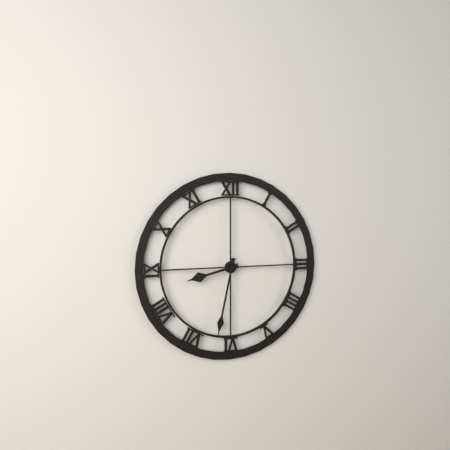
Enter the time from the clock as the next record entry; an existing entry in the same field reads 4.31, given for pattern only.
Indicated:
8.32
